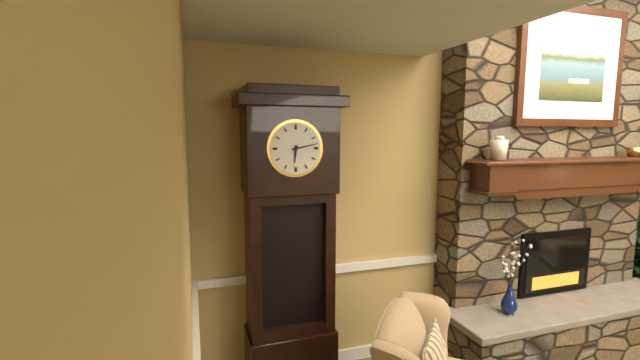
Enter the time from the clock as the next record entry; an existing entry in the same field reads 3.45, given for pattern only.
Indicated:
6.13
